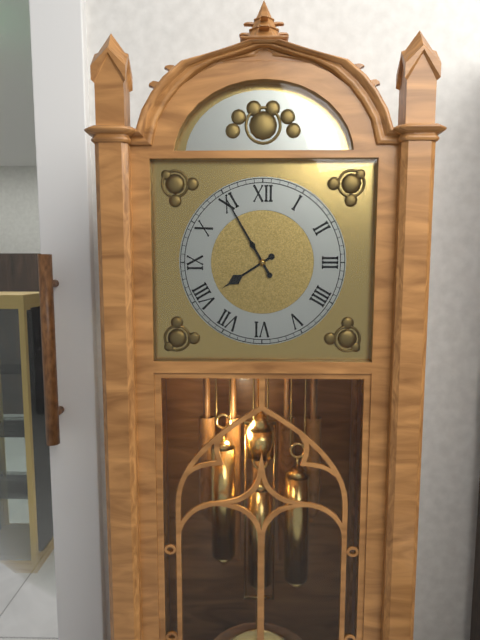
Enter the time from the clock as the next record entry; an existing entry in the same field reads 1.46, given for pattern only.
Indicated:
7.55
